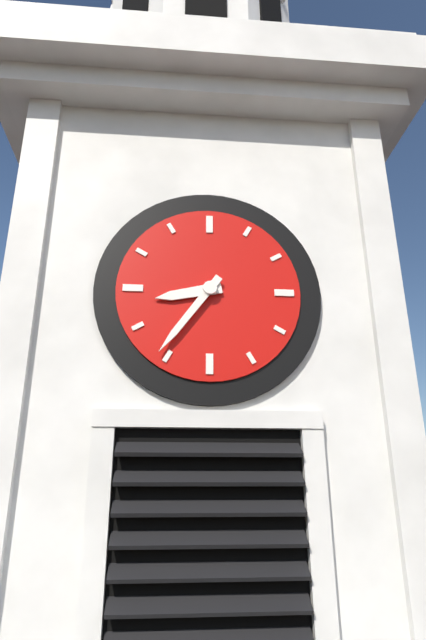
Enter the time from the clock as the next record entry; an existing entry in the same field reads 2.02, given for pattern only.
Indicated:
8.36
